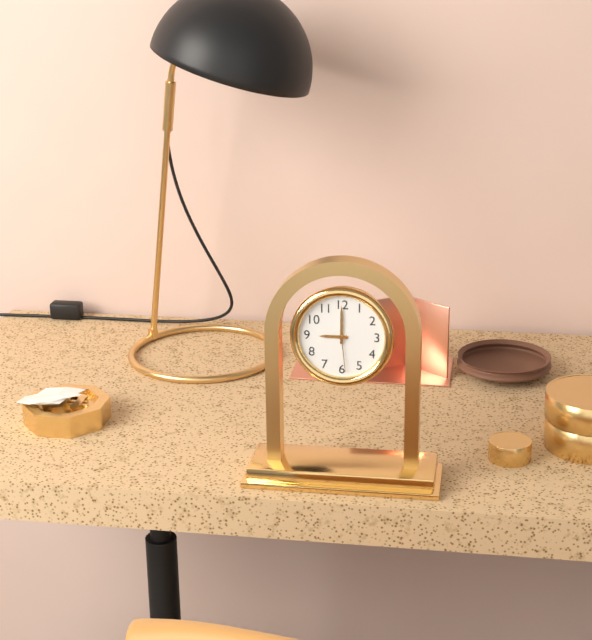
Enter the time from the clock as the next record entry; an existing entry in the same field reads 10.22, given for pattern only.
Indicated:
9.00
